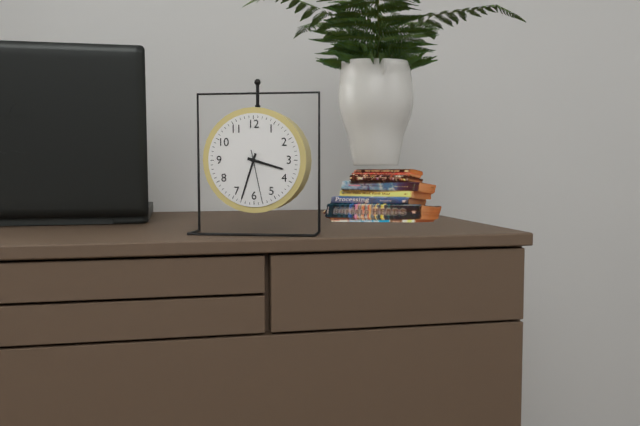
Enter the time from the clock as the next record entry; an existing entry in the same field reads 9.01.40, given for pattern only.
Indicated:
3.33.28
